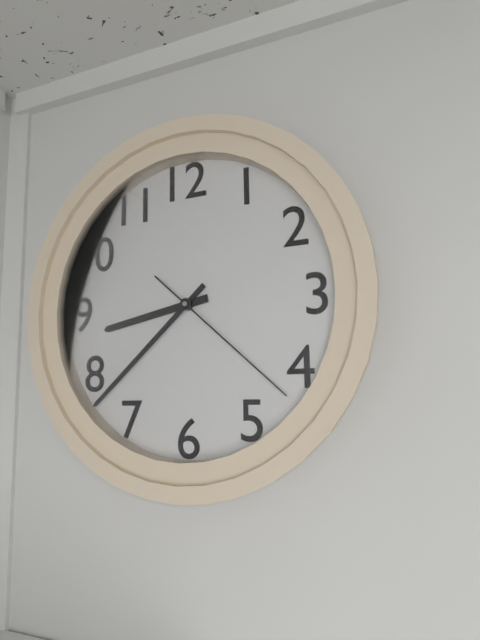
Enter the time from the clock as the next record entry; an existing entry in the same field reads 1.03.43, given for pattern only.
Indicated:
8.38.22
